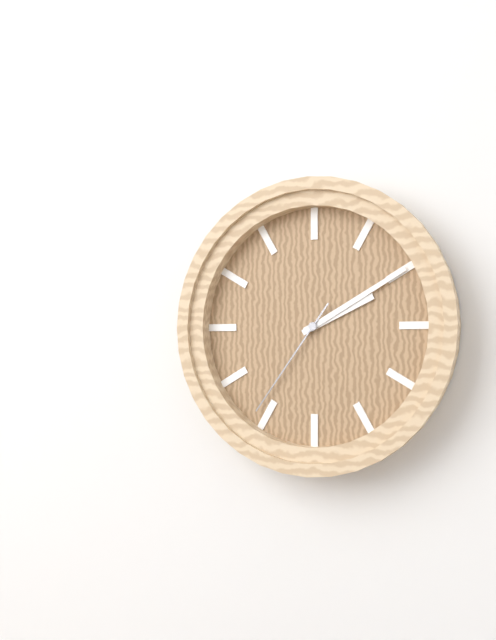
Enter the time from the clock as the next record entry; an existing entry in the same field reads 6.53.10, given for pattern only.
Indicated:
2.10.36
